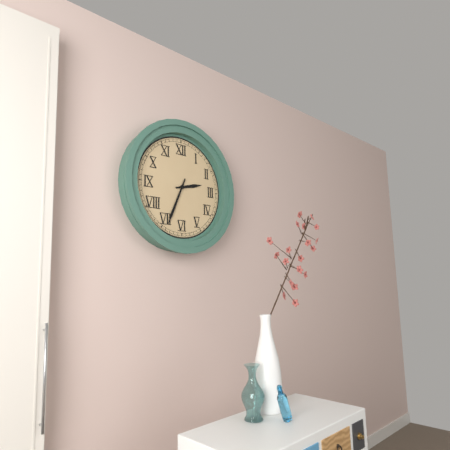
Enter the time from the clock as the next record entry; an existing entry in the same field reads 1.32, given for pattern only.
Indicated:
2.34
